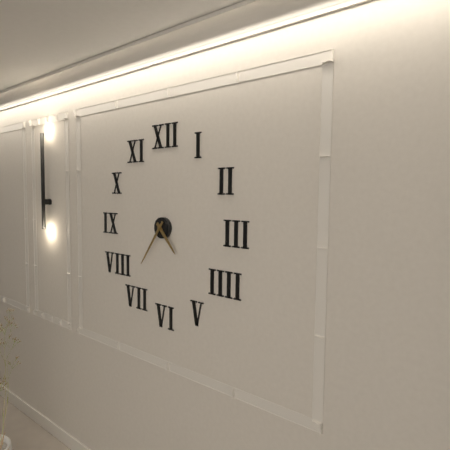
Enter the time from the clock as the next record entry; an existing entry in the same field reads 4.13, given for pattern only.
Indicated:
4.36
